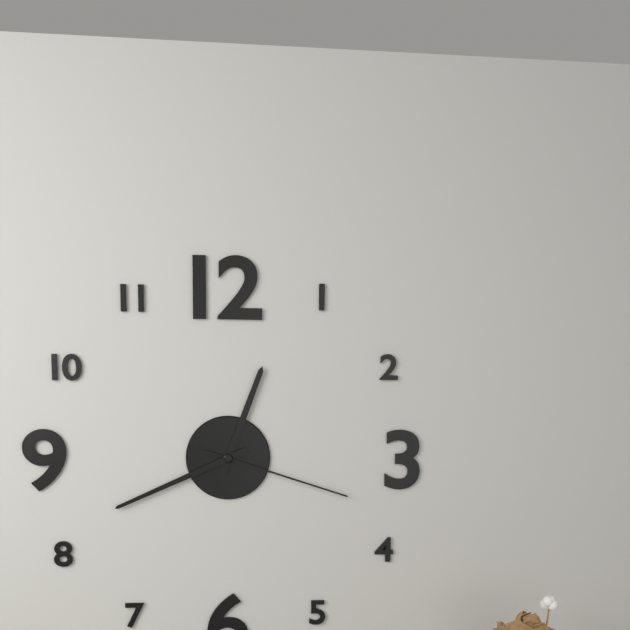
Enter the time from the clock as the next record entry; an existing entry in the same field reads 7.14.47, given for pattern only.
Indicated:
12.41.18
